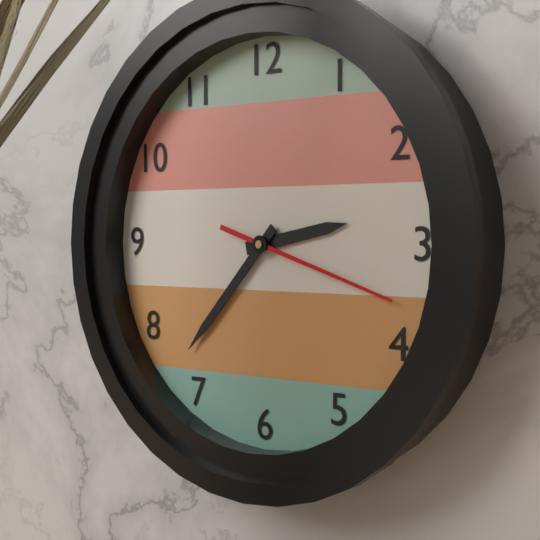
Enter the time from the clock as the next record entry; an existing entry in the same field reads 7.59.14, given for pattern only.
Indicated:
2.37.18
